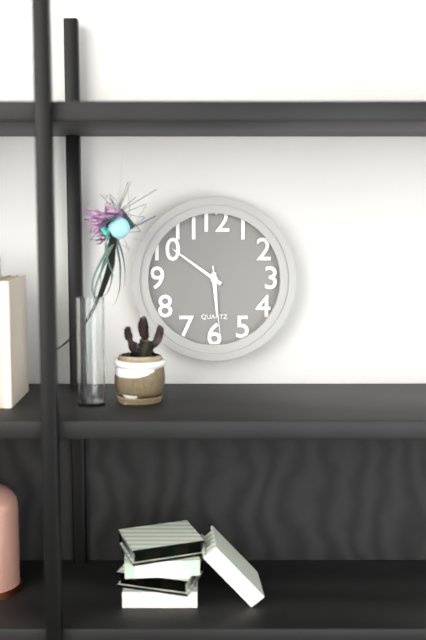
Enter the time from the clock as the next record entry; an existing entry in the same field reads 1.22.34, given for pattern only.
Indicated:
5.51.29
